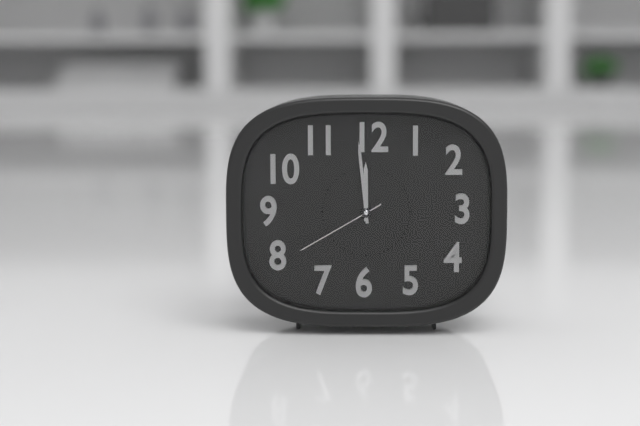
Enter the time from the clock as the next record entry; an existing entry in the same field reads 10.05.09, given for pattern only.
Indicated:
11.59.40
